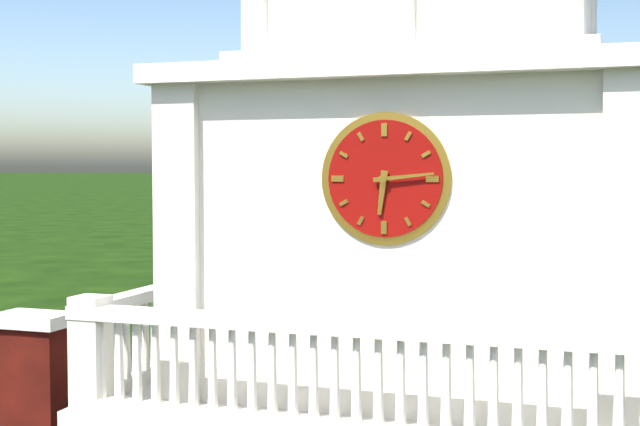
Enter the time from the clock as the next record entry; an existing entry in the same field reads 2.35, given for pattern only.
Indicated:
6.14
